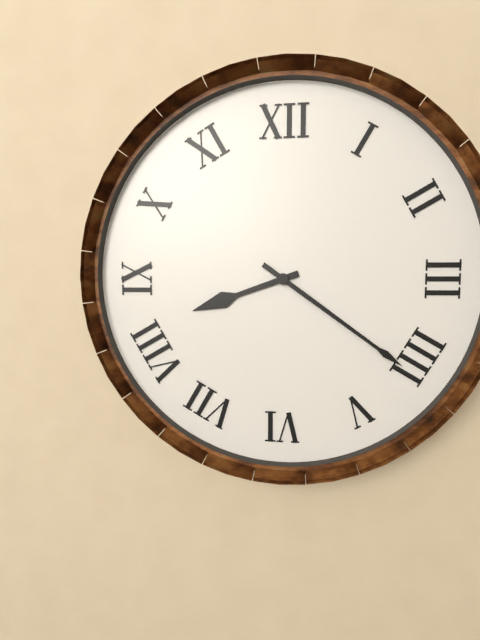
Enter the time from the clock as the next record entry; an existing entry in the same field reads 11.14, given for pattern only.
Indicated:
8.21
